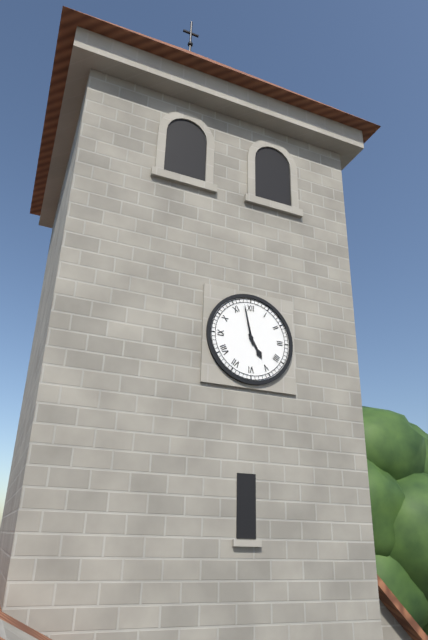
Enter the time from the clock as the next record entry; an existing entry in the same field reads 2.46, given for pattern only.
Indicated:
4.58
